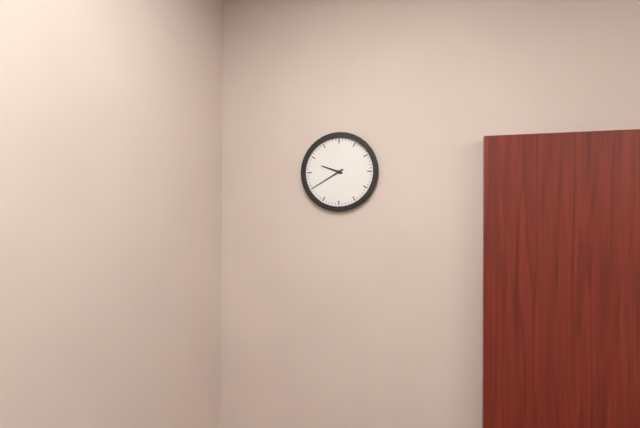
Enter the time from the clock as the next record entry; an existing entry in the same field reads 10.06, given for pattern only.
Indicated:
9.40
